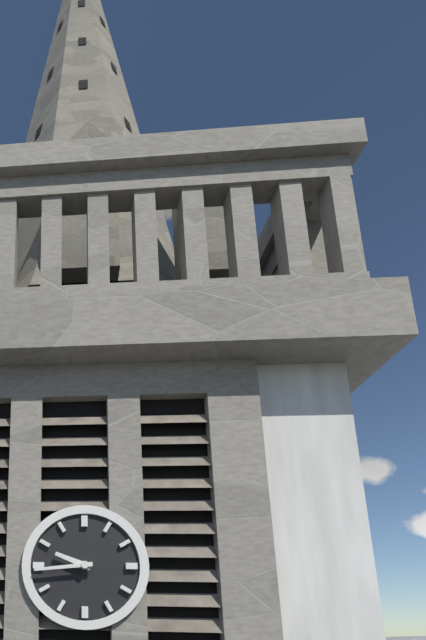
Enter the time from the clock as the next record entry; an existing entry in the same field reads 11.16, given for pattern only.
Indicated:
9.44
